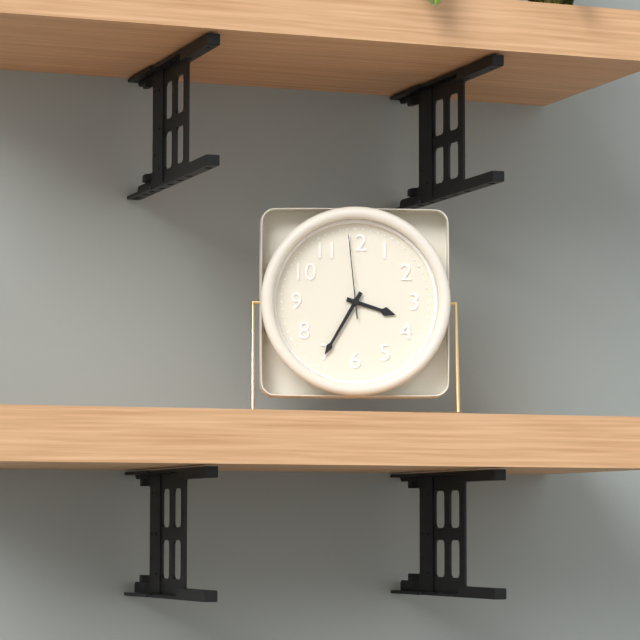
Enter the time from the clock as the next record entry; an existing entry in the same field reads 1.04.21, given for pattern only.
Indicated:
3.35.59
